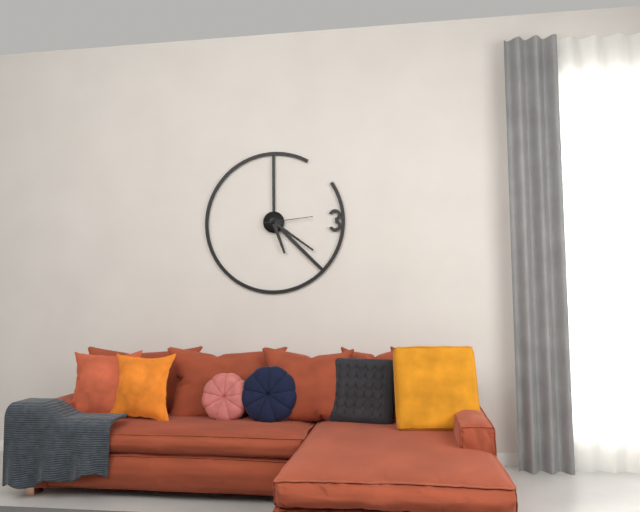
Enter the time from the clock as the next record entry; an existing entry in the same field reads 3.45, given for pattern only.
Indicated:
5.21
